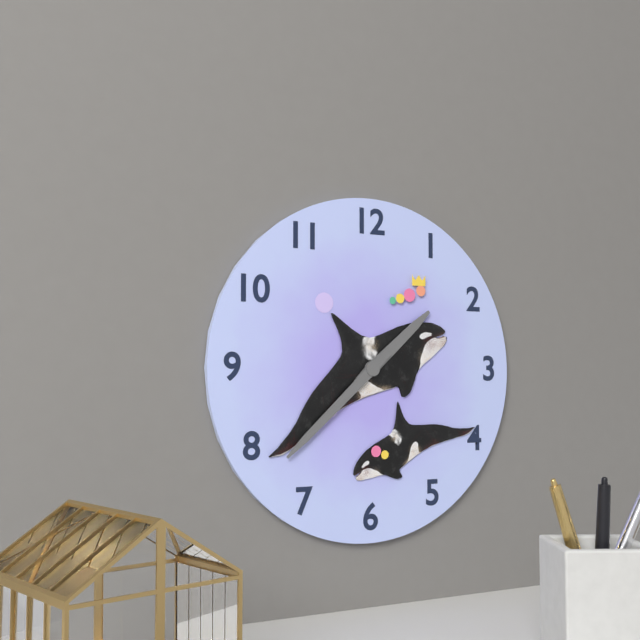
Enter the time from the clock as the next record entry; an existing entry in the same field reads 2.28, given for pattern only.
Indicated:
1.38
